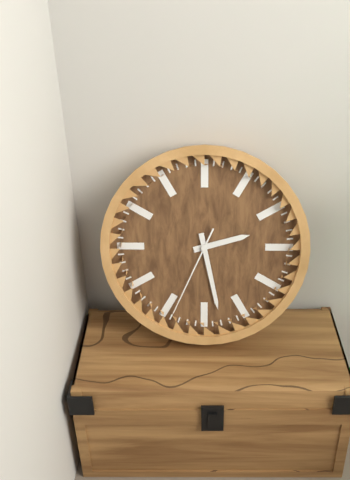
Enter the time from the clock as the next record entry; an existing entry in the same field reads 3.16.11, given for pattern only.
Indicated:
2.28.34
